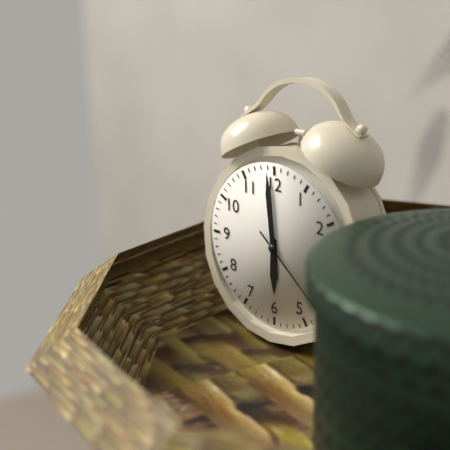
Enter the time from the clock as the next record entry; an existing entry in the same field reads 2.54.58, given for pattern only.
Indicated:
5.59.22
